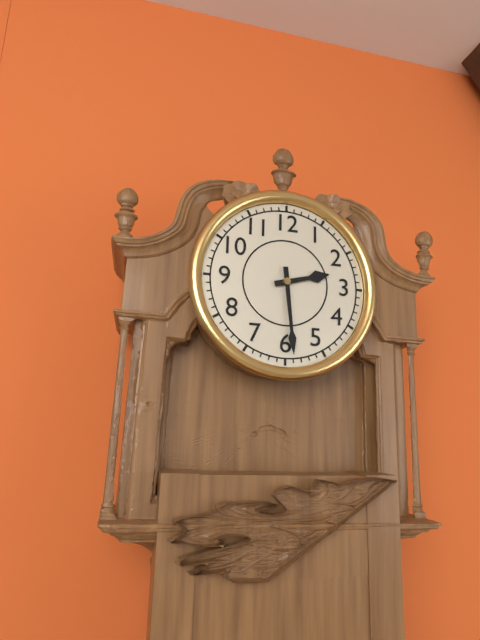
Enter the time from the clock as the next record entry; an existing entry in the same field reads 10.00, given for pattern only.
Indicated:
2.29
